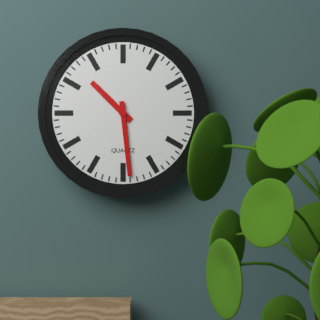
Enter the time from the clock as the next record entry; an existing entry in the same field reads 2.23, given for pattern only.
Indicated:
10.29
